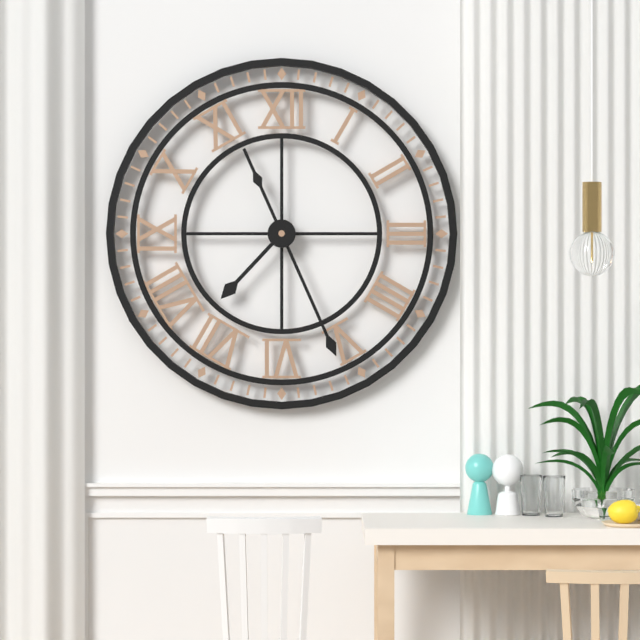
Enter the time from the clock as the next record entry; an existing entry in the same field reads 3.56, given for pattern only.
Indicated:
7.26
